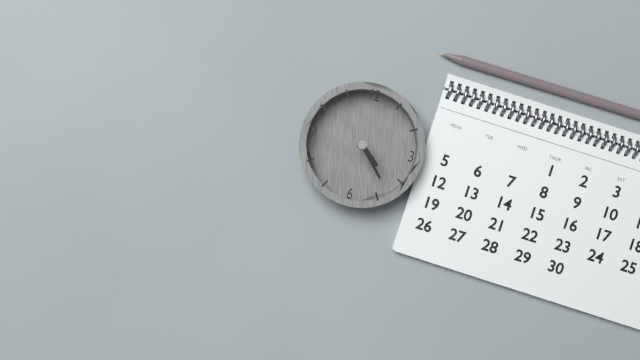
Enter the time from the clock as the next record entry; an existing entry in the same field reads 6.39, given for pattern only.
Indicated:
4.23
